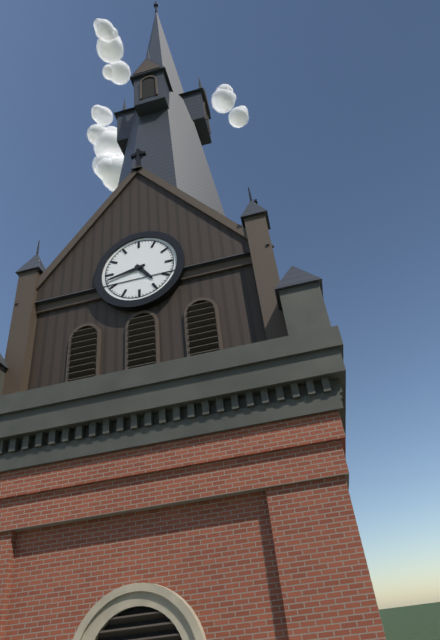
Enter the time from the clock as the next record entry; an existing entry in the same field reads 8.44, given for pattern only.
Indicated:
4.43
